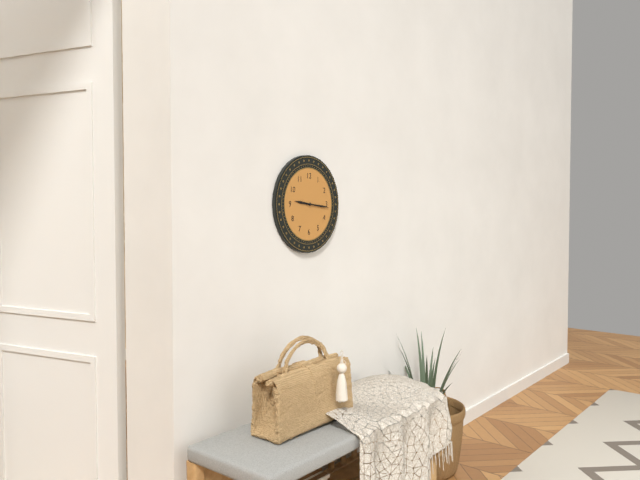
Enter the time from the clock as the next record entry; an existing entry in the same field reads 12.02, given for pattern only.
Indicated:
9.16
